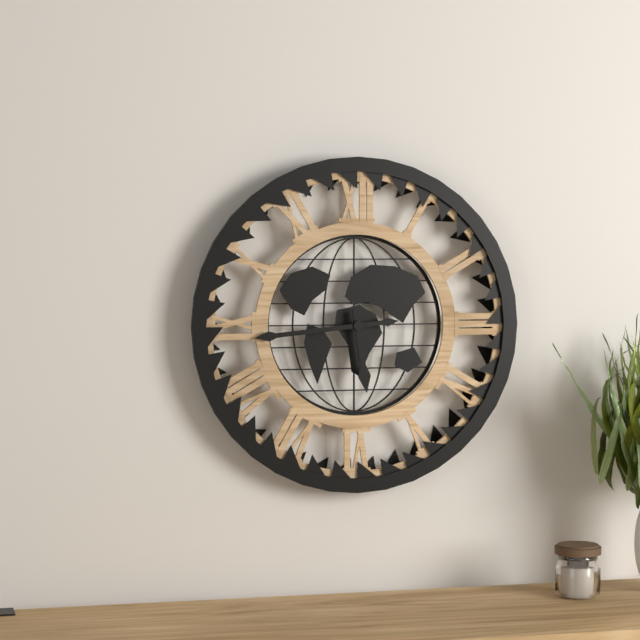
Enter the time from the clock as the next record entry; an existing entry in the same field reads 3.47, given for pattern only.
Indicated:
5.44
